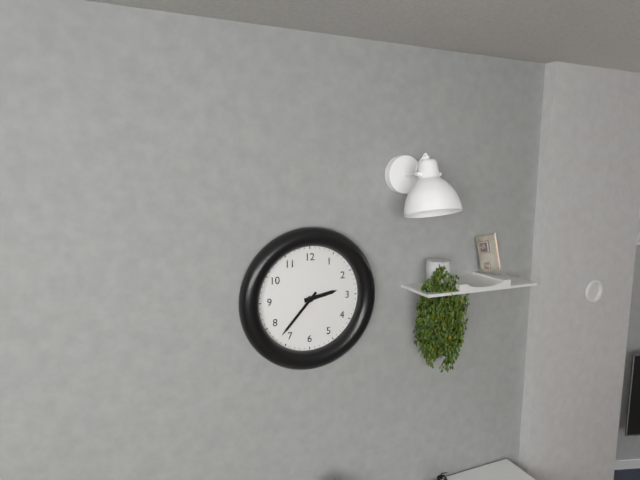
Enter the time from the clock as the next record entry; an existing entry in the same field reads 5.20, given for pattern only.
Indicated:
2.37
